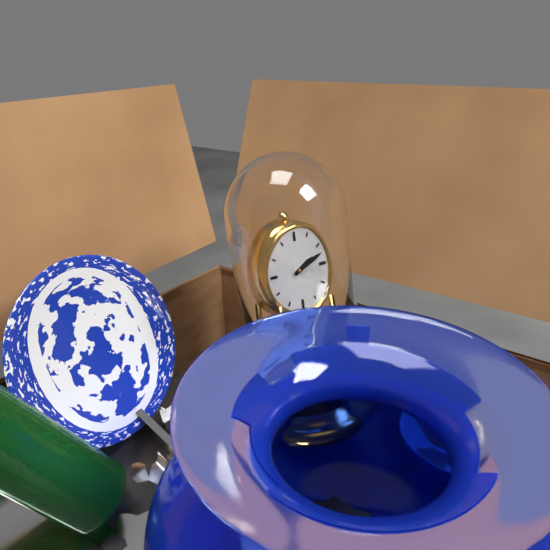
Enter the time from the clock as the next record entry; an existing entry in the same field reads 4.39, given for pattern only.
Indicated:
2.12
